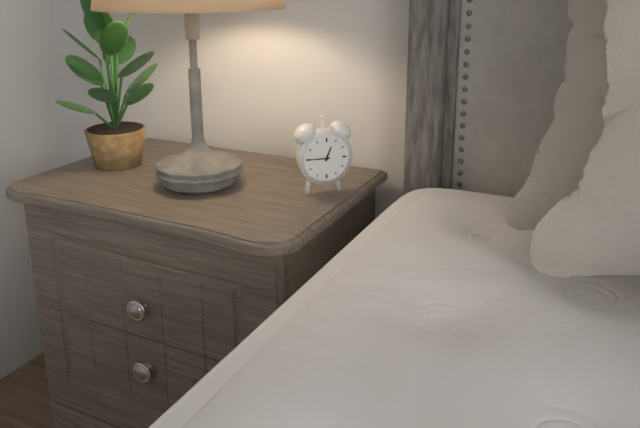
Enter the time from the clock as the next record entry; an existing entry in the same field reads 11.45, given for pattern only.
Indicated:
12.45
